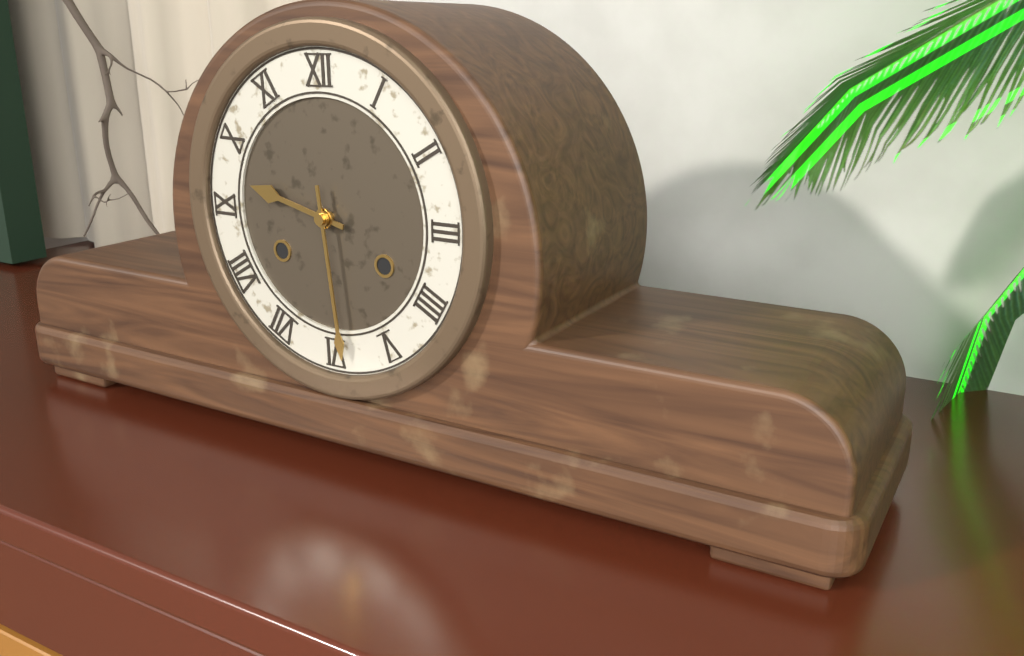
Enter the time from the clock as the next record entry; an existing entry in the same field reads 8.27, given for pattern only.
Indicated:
9.29
